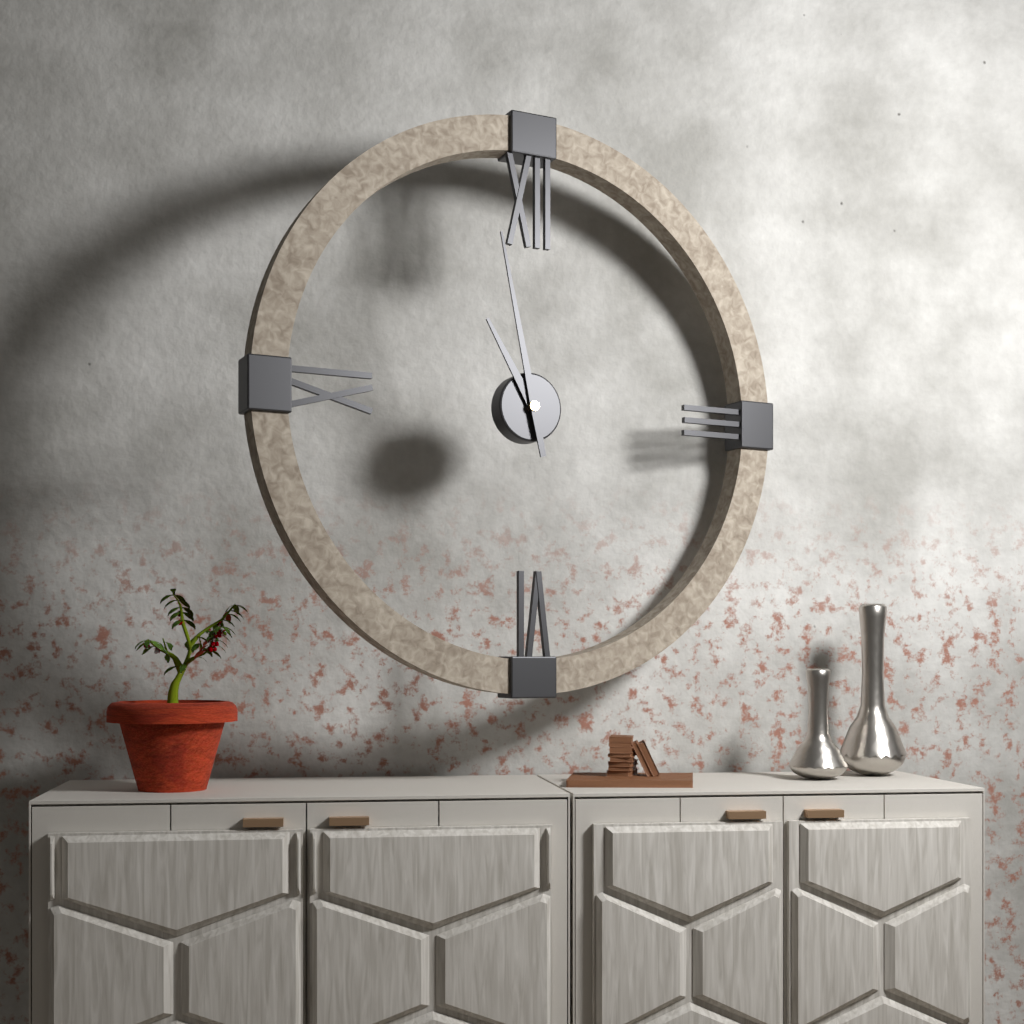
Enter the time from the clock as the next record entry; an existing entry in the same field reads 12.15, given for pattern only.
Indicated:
10.58
